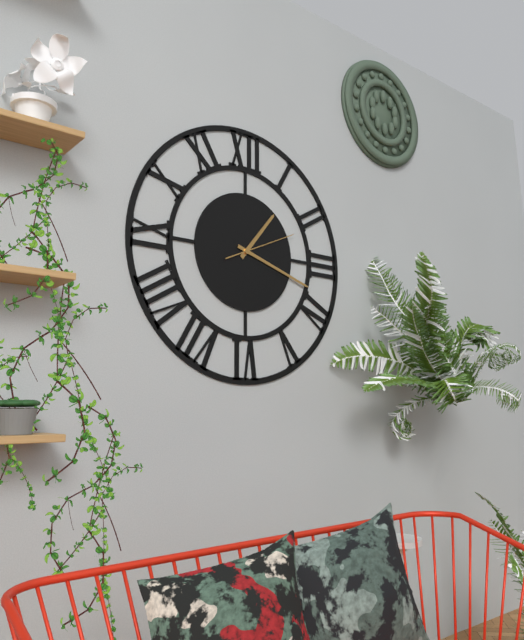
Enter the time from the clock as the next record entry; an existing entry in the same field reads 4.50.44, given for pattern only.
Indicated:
1.18.11
